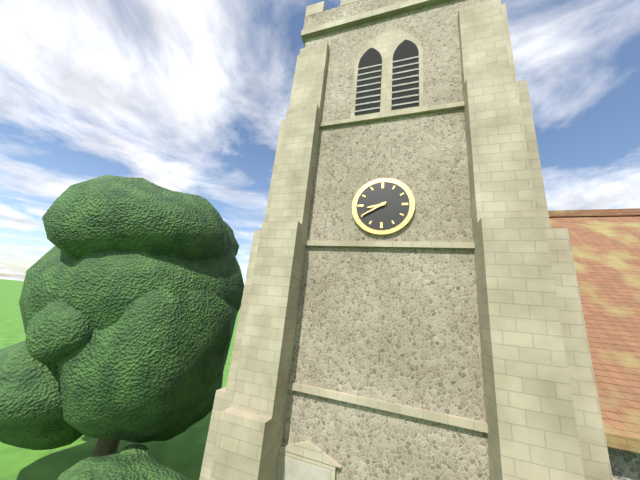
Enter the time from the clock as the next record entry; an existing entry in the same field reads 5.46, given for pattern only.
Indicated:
8.40
